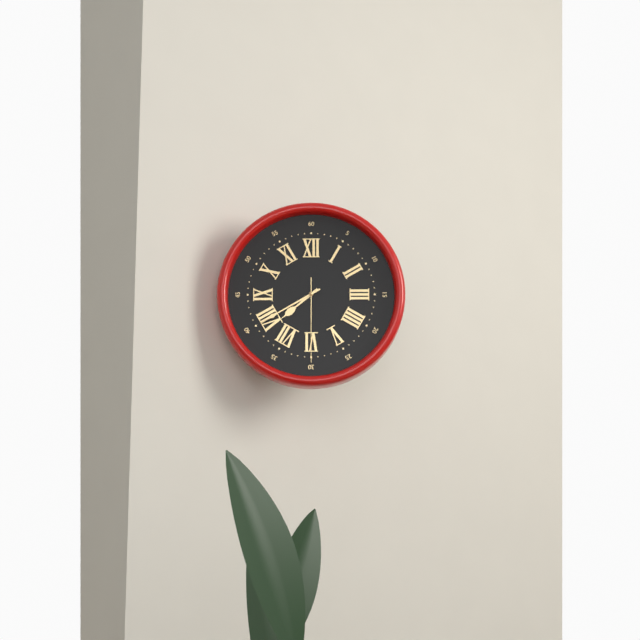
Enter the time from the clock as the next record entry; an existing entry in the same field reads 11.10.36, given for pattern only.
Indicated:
7.40.30
